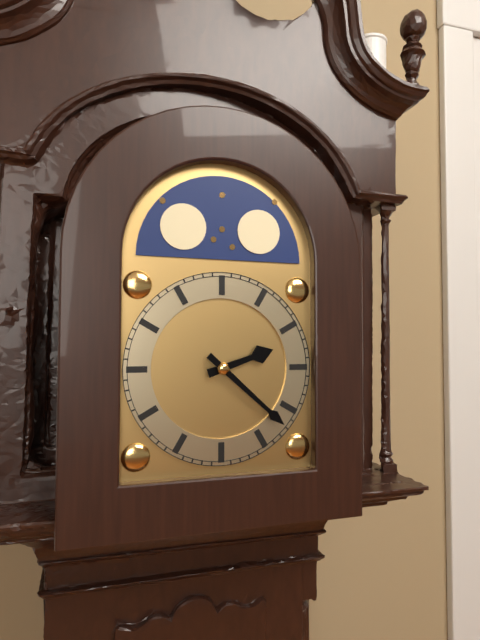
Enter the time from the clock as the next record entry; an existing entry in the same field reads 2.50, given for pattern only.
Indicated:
2.22
